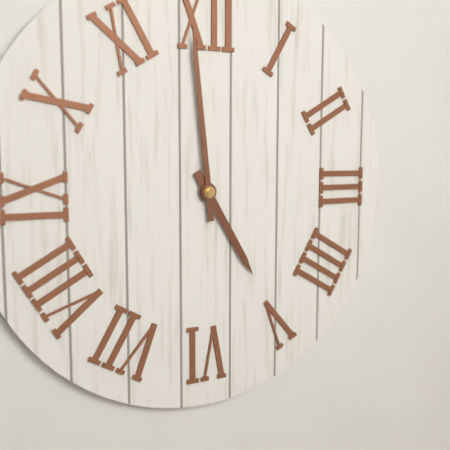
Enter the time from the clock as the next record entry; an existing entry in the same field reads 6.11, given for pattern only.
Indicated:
4.59
